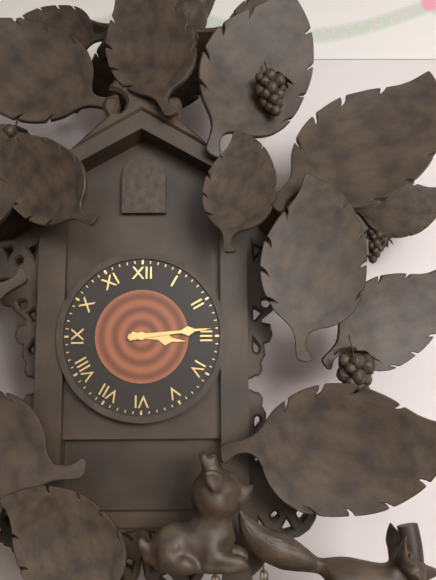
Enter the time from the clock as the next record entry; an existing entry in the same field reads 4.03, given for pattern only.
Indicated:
3.14
